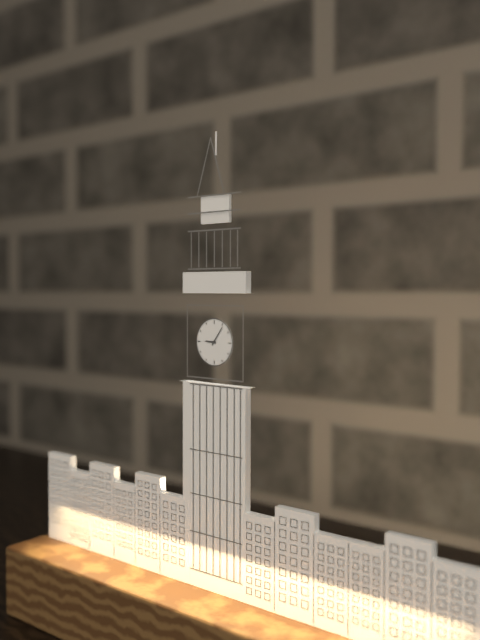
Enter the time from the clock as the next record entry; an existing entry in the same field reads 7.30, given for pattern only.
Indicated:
9.06
